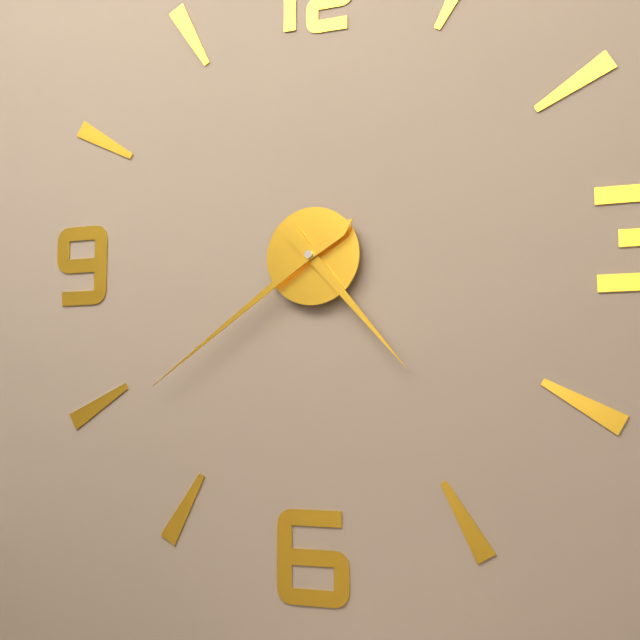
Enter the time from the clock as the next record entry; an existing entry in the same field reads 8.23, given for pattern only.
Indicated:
4.39
